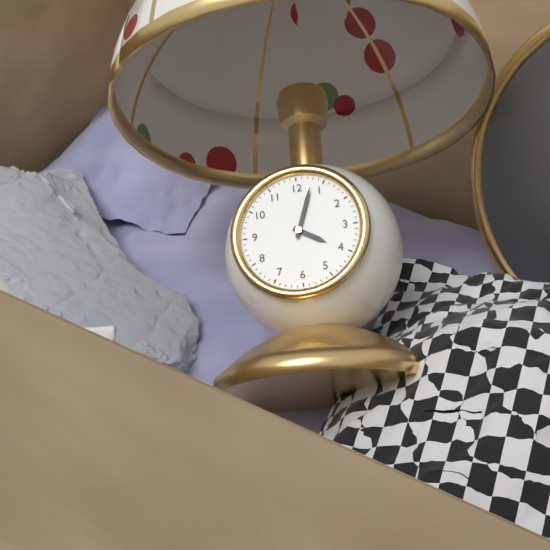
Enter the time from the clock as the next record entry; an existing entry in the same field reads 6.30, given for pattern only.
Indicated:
4.03
